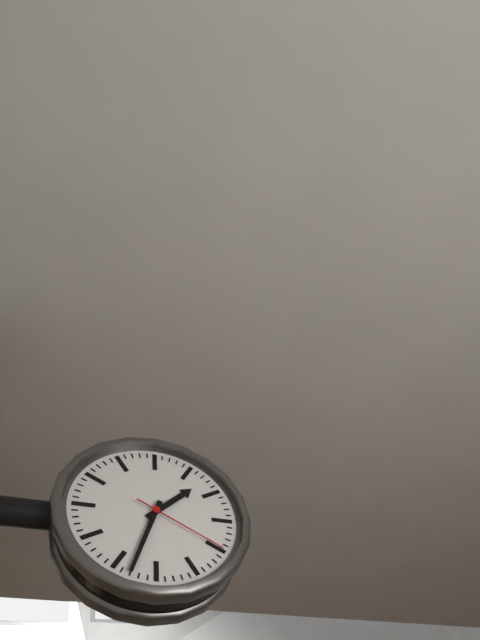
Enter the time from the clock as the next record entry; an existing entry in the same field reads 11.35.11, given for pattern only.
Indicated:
1.33.20
